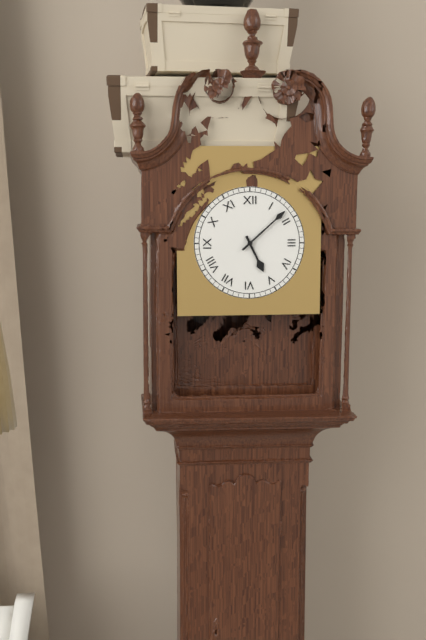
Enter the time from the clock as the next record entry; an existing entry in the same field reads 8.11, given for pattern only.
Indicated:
5.08
